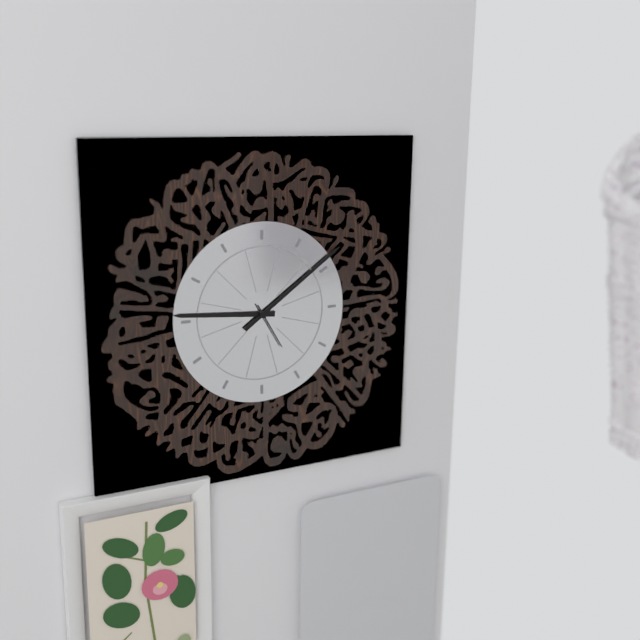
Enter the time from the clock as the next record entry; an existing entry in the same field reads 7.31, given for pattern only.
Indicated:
9.09
